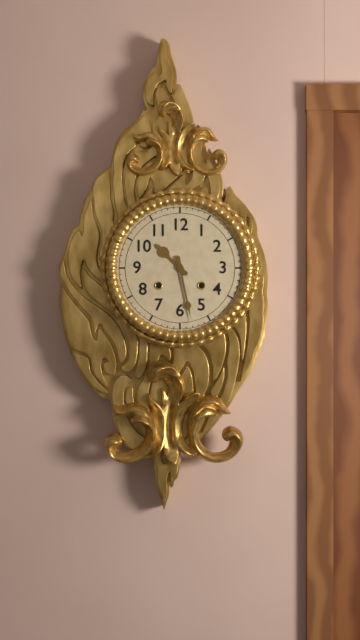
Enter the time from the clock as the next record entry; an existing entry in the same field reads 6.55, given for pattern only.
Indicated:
10.28
